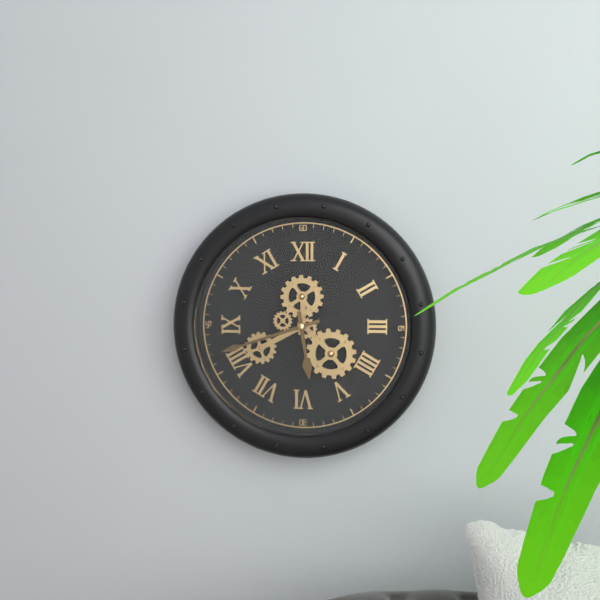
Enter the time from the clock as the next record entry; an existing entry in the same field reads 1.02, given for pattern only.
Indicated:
5.42
